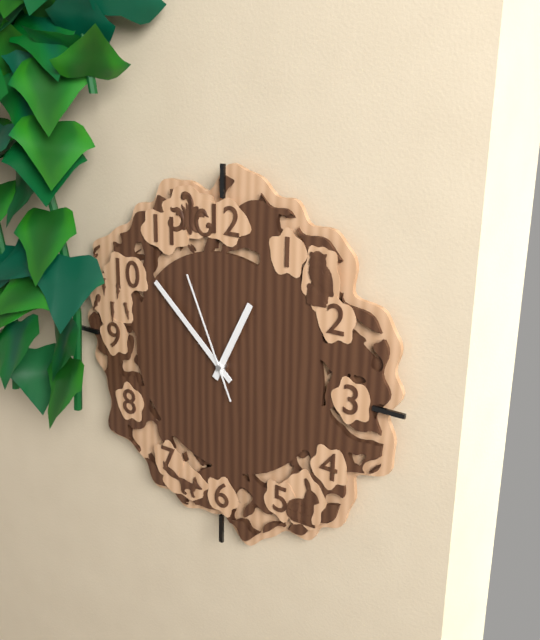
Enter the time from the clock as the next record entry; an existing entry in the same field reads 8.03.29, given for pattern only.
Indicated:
12.52.56
